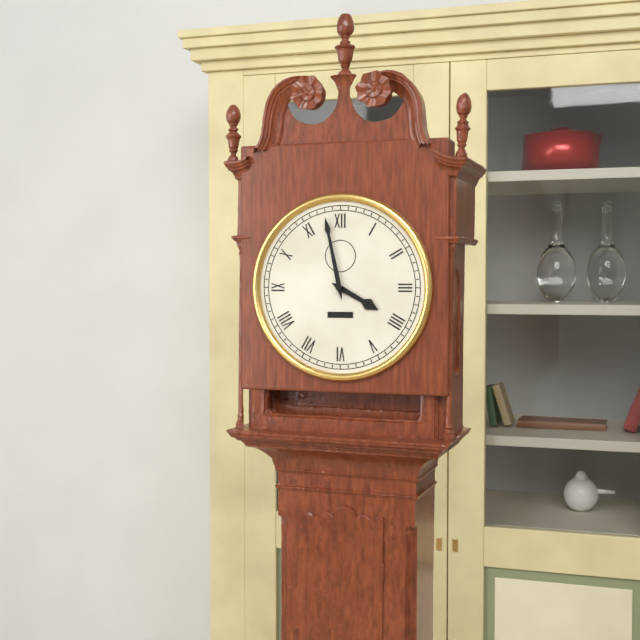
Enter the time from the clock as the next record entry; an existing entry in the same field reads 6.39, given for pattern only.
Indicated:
3.58
